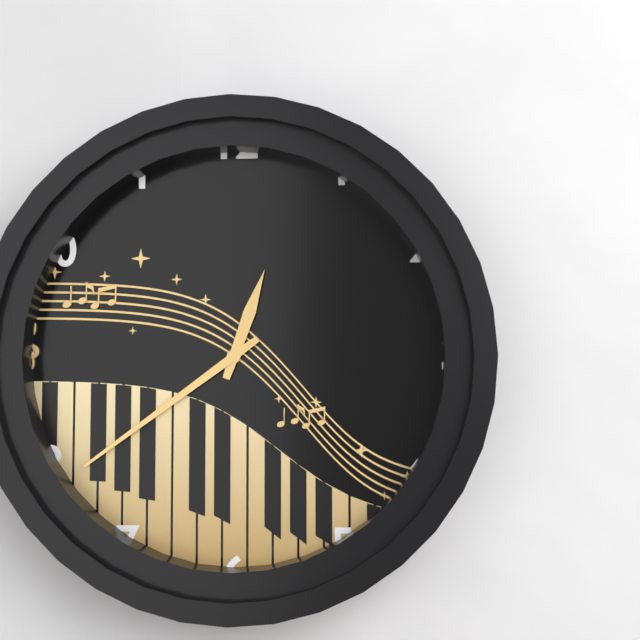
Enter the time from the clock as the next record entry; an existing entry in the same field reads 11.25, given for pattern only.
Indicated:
12.39
